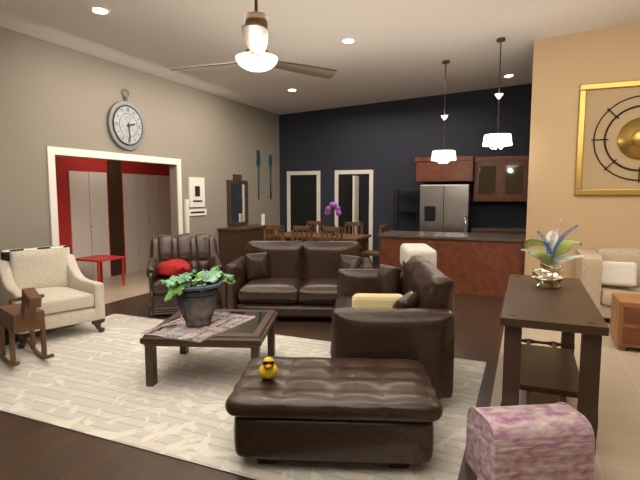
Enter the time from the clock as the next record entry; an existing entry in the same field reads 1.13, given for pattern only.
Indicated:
2.29
